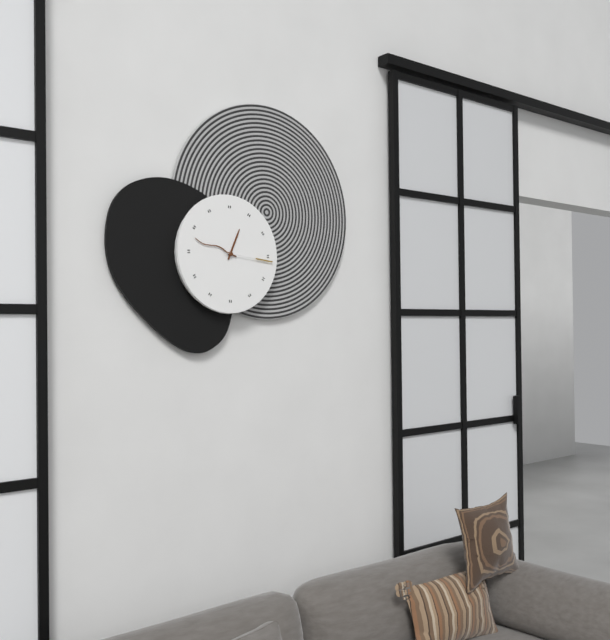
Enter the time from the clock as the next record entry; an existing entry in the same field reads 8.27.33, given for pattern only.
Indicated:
12.48.16
